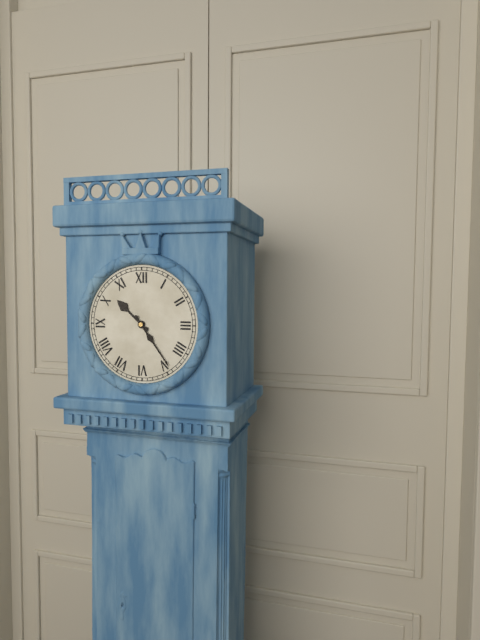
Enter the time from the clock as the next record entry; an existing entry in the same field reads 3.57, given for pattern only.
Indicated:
10.24
